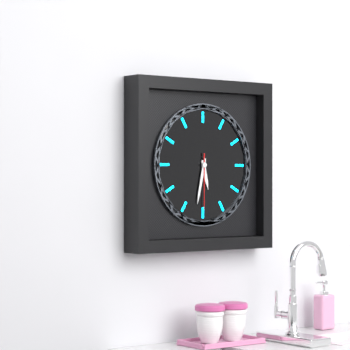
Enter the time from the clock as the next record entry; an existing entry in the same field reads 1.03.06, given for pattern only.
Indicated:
5.32.30
